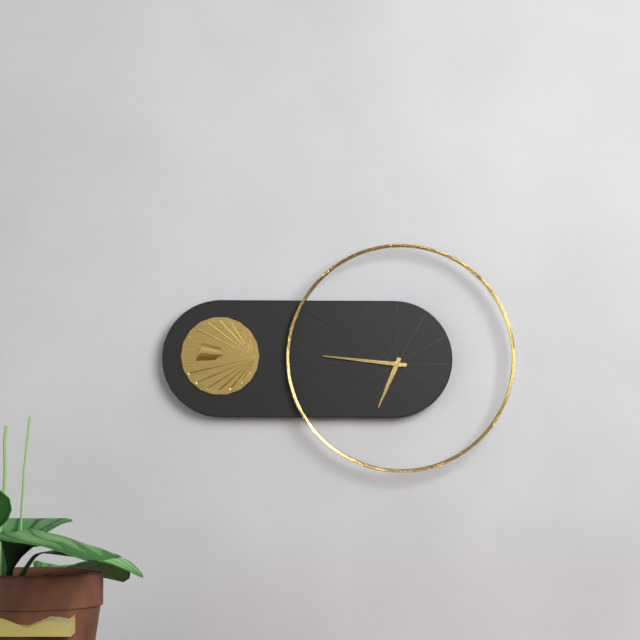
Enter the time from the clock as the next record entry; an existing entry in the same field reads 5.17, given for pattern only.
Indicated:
6.46
